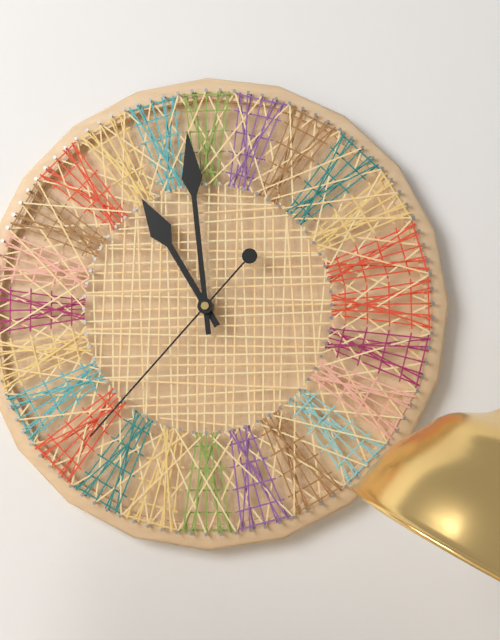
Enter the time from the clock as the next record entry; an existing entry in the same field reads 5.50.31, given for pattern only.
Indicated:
10.59.37
